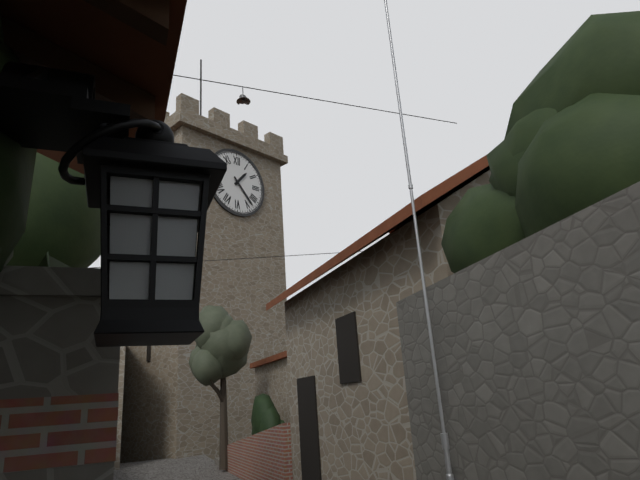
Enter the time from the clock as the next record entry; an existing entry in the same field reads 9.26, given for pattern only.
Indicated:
1.23
